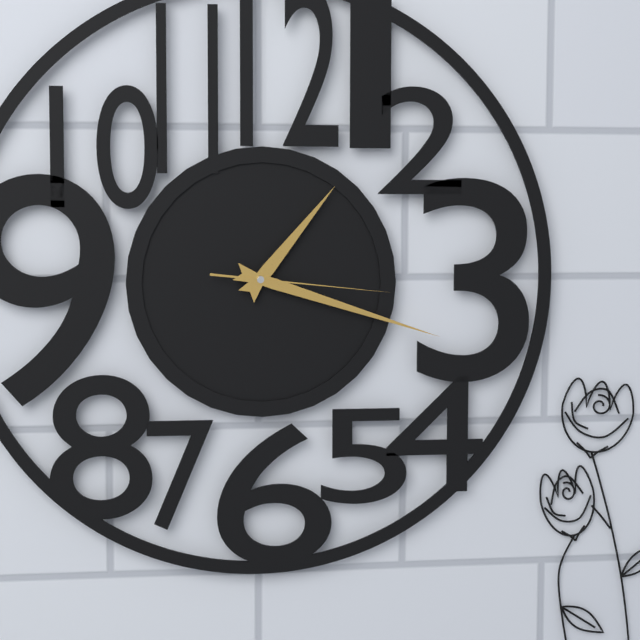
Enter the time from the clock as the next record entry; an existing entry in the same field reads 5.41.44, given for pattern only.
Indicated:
1.18.16
